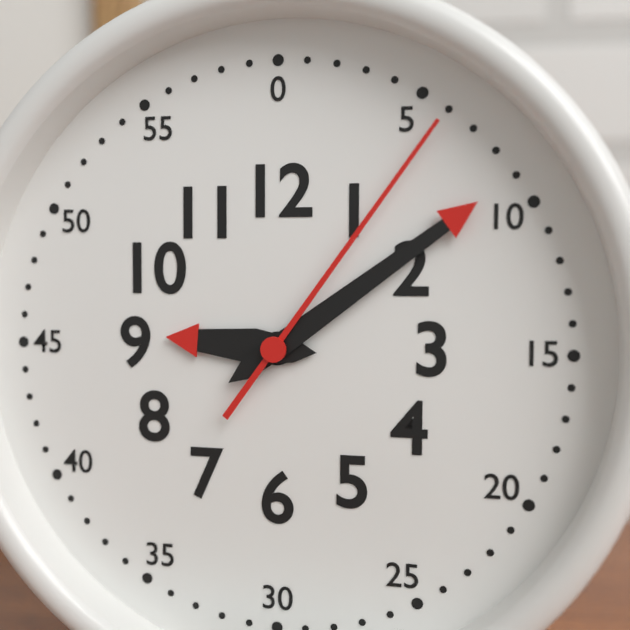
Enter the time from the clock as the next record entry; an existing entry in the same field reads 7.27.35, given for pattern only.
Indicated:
9.09.06
